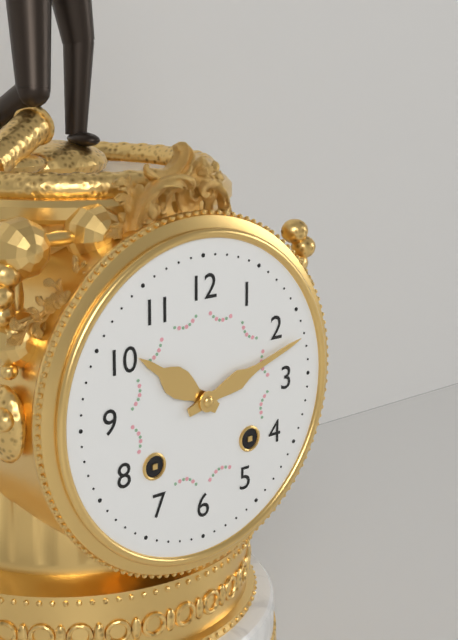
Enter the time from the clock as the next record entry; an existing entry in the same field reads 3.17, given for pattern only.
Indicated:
10.12
